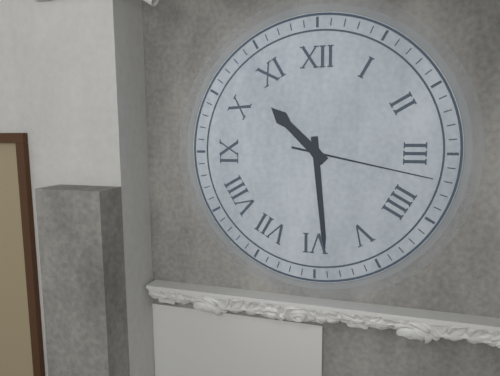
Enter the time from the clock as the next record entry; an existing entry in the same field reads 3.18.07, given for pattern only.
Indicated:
10.29.17
